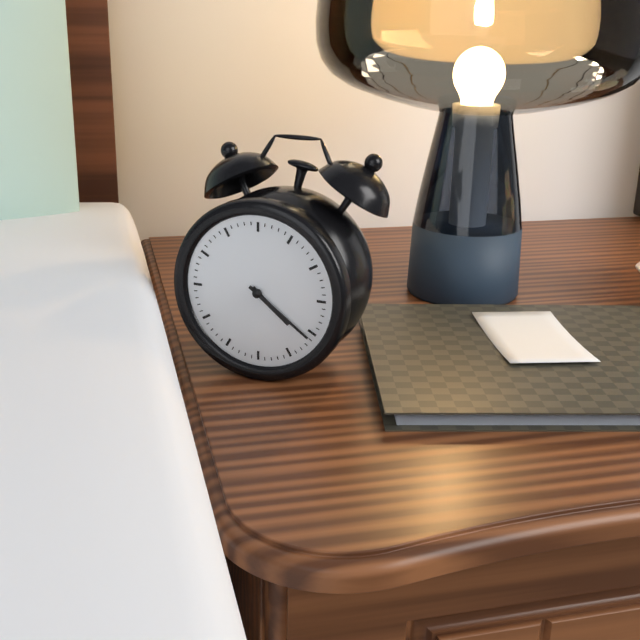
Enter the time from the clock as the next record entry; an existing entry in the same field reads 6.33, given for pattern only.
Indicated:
4.21
